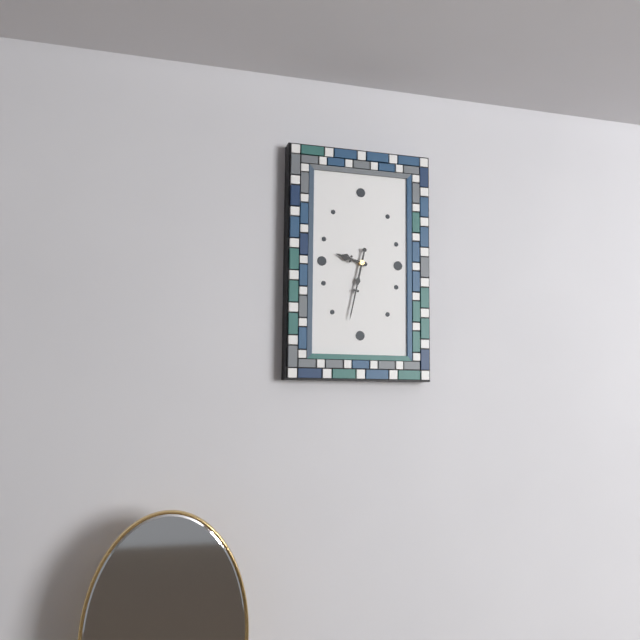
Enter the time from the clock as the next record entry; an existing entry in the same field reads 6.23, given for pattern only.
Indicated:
9.32
